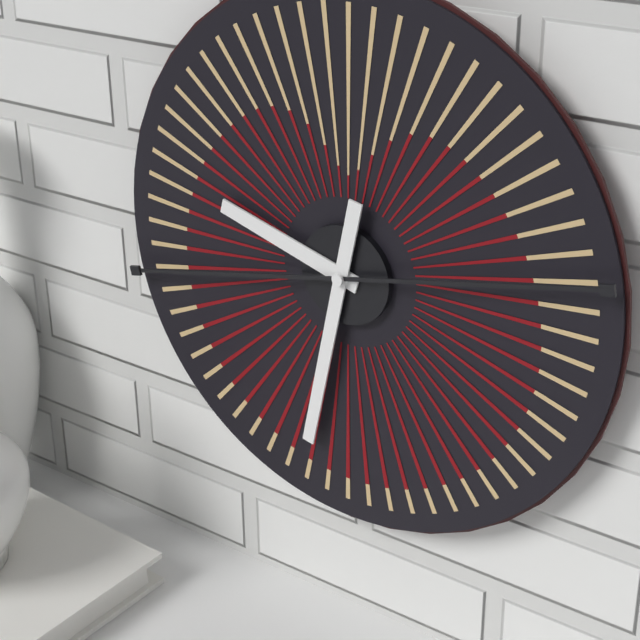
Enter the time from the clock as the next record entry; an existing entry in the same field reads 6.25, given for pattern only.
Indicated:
9.32
